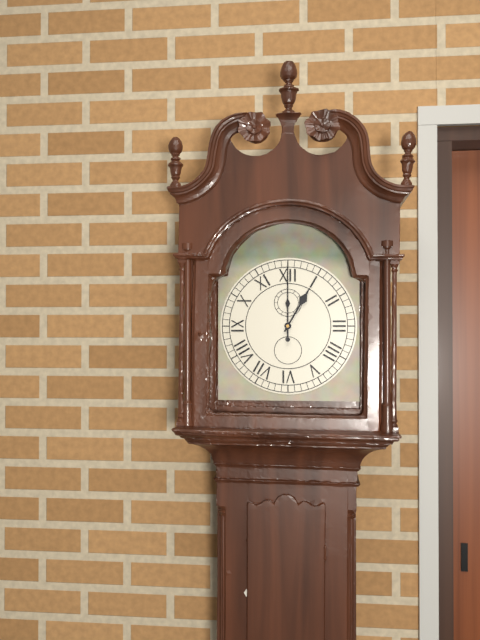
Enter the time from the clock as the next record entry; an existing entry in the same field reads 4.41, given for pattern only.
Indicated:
1.00
